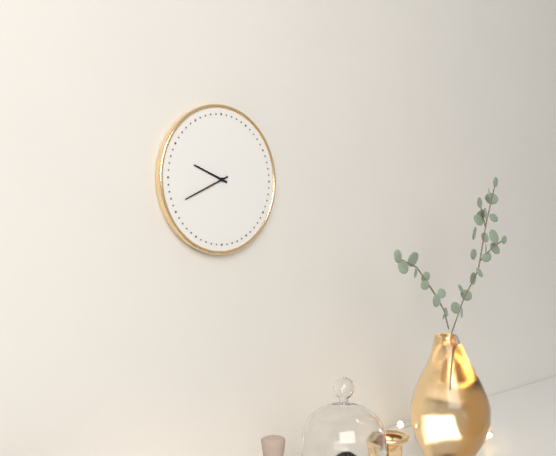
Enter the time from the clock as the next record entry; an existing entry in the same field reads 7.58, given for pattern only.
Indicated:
9.41
